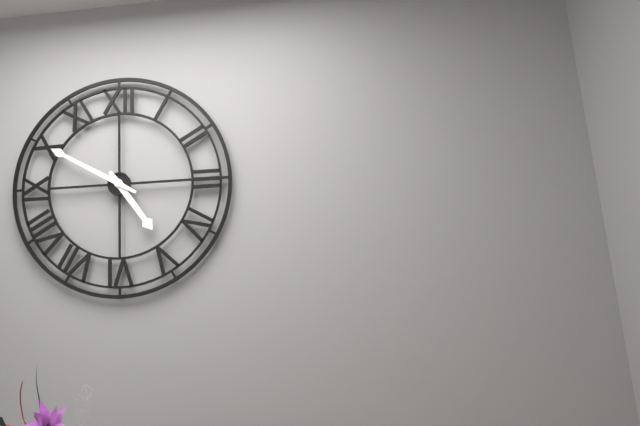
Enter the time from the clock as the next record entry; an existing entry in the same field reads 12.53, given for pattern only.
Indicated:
4.50
